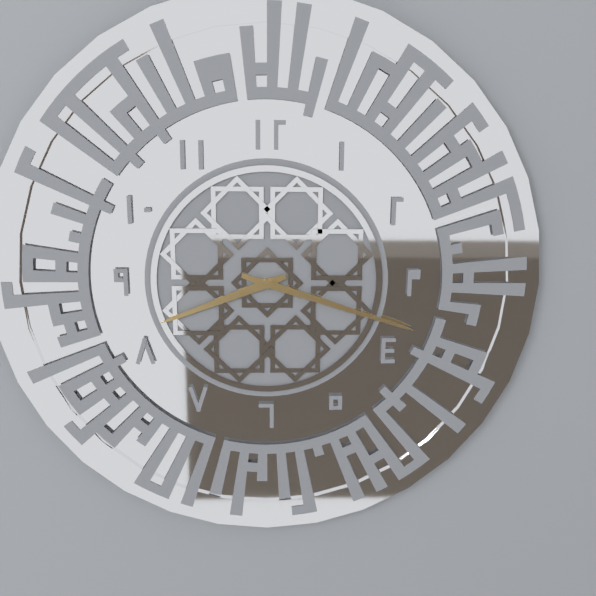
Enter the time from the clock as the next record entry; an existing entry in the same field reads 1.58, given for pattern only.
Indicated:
8.18
